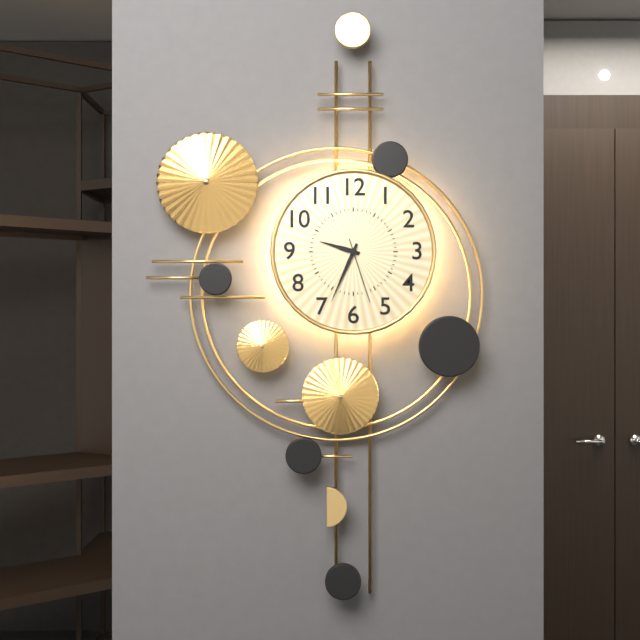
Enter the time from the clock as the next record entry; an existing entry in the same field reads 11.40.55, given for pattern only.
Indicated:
9.34.27
